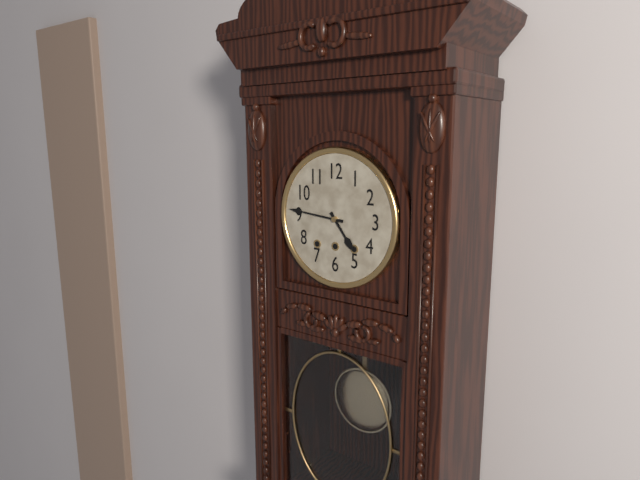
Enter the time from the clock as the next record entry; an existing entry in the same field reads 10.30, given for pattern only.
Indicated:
4.46
